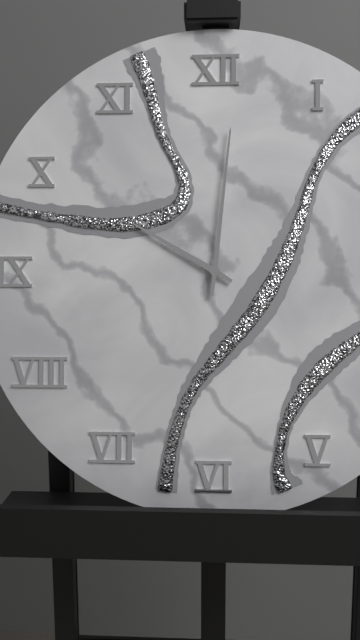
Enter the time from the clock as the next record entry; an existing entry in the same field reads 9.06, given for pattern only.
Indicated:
10.01
